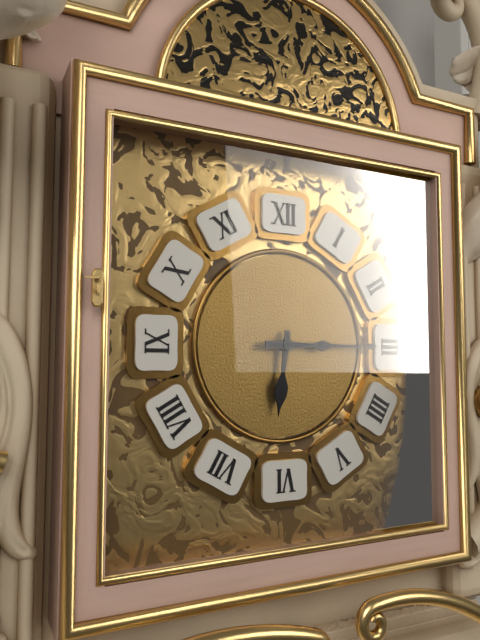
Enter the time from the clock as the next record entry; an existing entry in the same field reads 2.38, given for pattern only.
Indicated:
6.15
